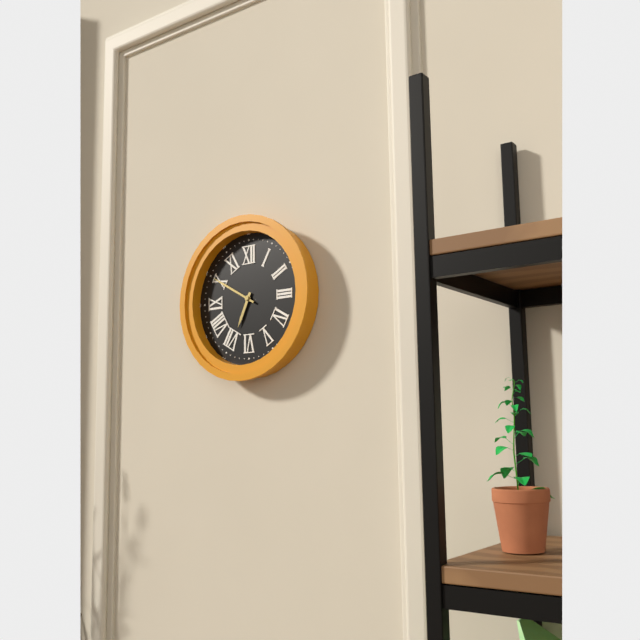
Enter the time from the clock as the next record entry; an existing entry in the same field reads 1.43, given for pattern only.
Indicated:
6.50
